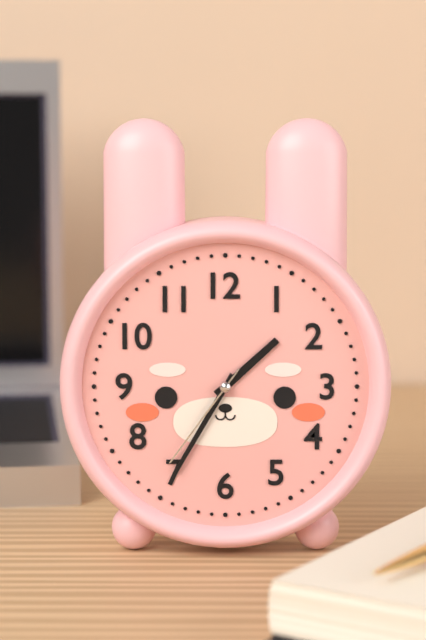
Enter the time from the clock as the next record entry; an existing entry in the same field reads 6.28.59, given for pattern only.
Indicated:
1.35.36
